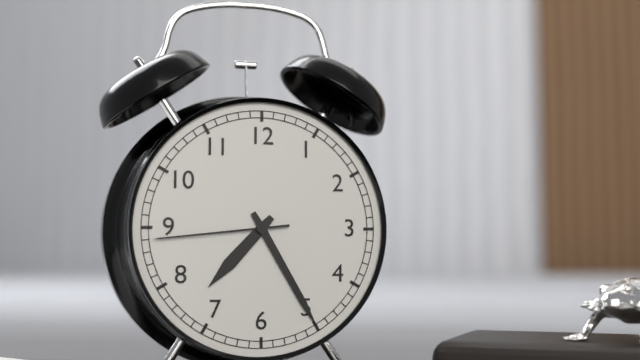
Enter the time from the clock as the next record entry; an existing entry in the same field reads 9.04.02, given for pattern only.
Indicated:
7.25.44
